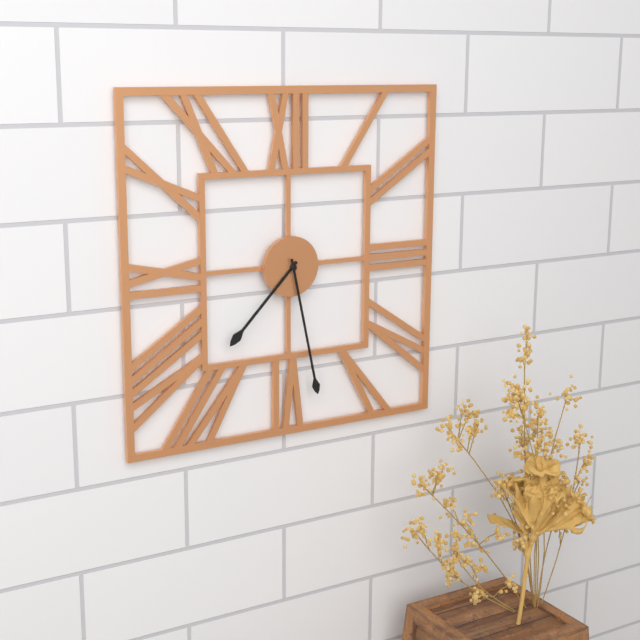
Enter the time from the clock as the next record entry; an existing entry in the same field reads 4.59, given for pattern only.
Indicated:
7.28
